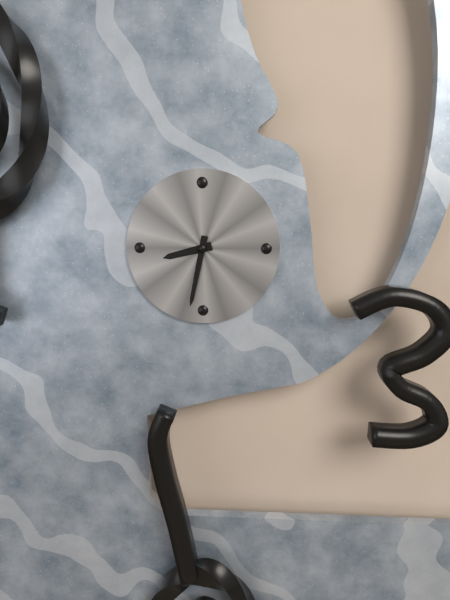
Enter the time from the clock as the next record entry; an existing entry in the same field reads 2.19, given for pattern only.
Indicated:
8.32
